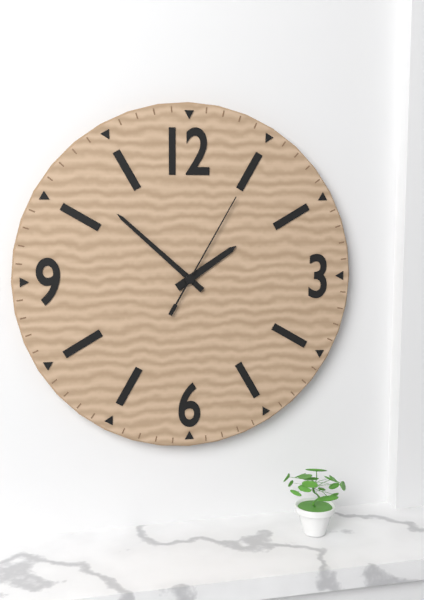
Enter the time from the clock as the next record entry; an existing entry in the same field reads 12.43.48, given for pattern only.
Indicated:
1.52.05
